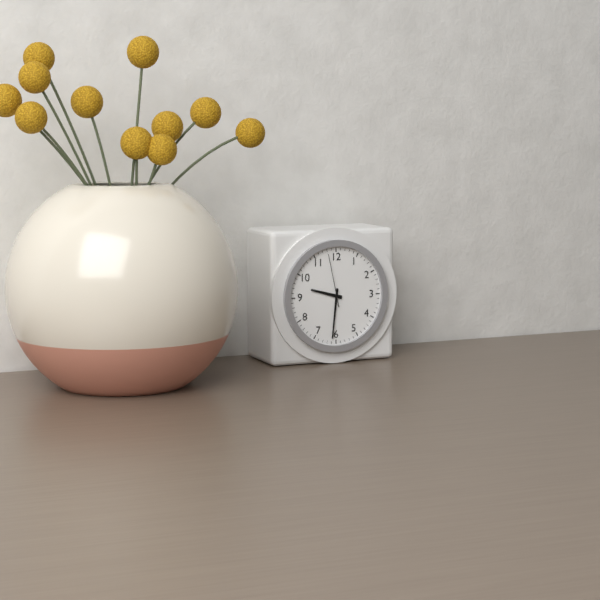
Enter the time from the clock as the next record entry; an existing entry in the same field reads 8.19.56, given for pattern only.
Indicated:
9.31.58
